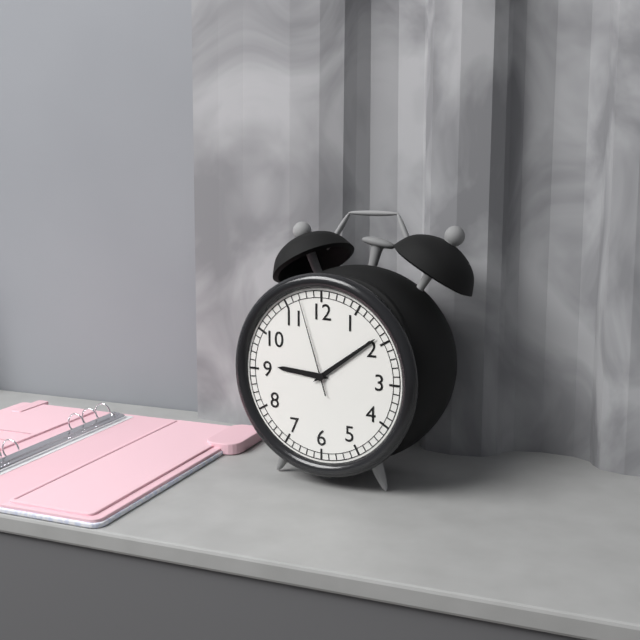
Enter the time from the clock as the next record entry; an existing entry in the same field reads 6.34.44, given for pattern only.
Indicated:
9.09.57
